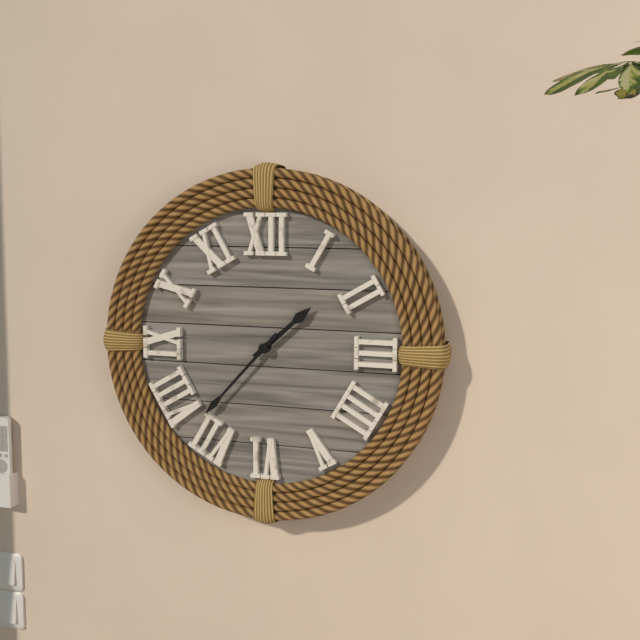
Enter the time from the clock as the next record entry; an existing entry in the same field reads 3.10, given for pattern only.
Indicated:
1.37
